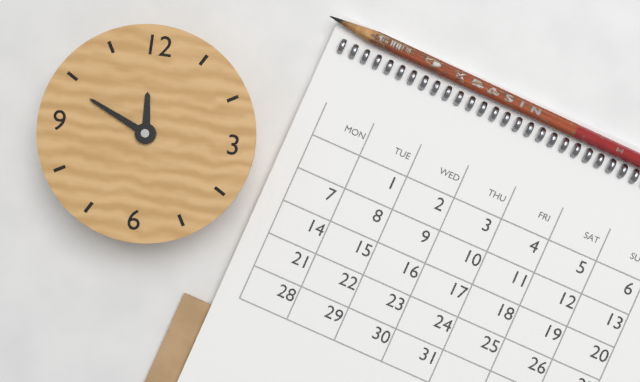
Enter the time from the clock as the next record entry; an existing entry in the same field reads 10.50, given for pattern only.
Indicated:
11.49
